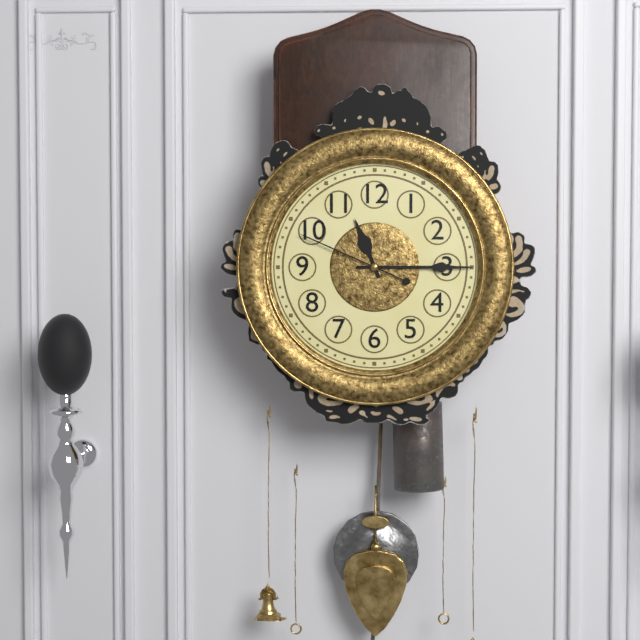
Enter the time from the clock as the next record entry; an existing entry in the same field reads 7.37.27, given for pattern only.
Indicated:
11.15.49
